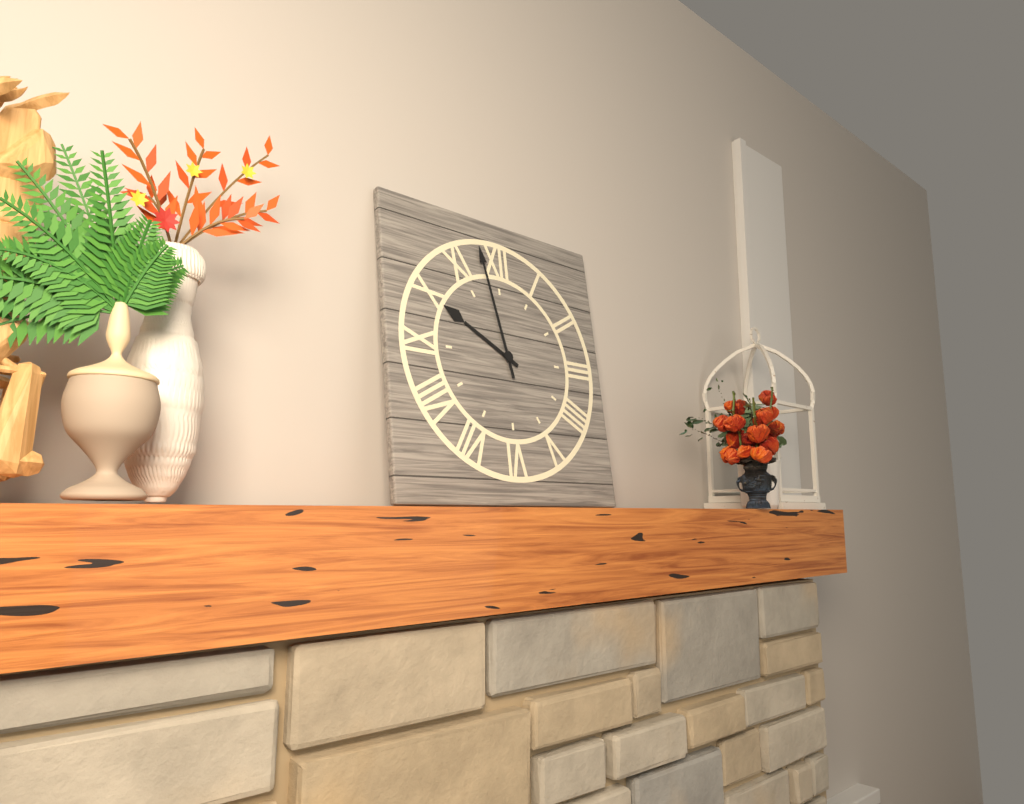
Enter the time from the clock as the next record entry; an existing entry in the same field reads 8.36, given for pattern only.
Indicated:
9.58
